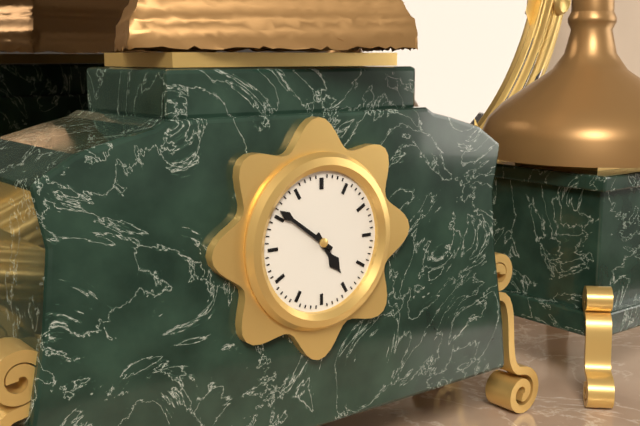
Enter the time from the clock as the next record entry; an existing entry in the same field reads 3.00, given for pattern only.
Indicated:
4.51
